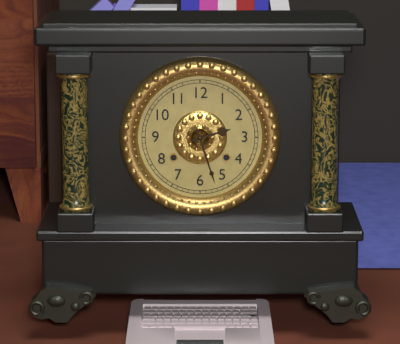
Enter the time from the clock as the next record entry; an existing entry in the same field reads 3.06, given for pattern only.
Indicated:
2.27
